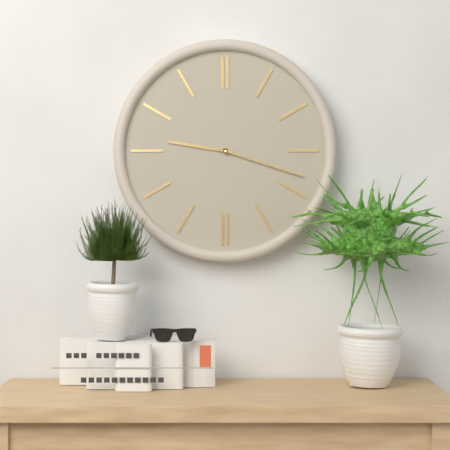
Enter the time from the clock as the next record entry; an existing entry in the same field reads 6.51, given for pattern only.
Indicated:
9.18
